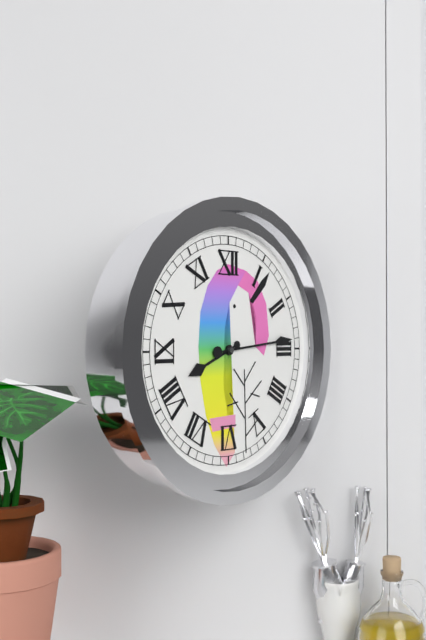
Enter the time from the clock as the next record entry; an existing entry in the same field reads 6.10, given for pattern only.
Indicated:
8.14
